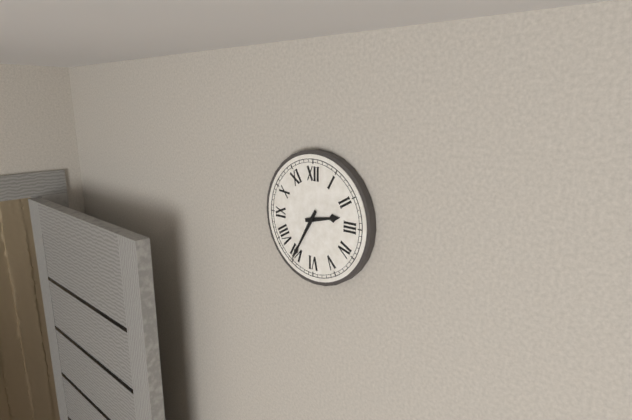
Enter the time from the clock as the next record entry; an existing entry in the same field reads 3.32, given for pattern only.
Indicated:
2.35
